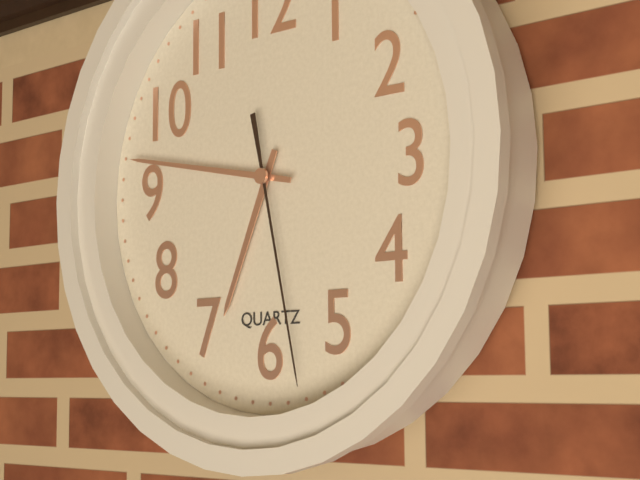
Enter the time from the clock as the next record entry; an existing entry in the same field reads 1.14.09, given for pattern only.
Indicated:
6.47.28
